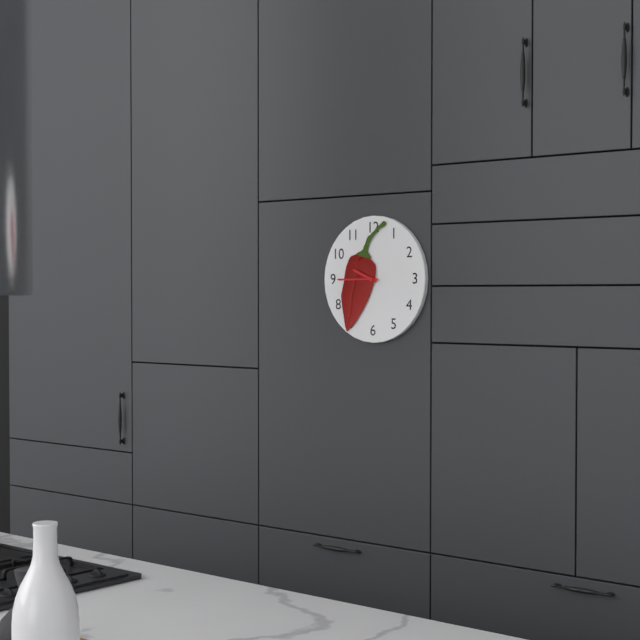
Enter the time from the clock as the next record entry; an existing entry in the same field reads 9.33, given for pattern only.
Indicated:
9.45
